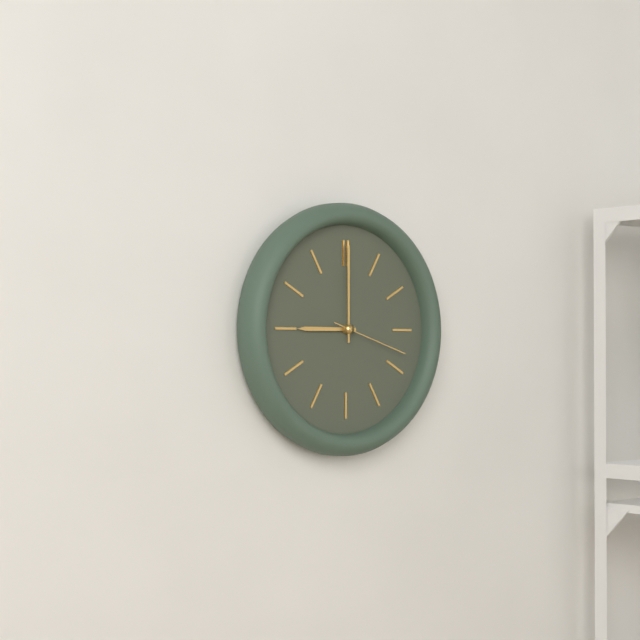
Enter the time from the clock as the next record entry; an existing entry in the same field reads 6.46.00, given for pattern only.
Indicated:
9.00.18
